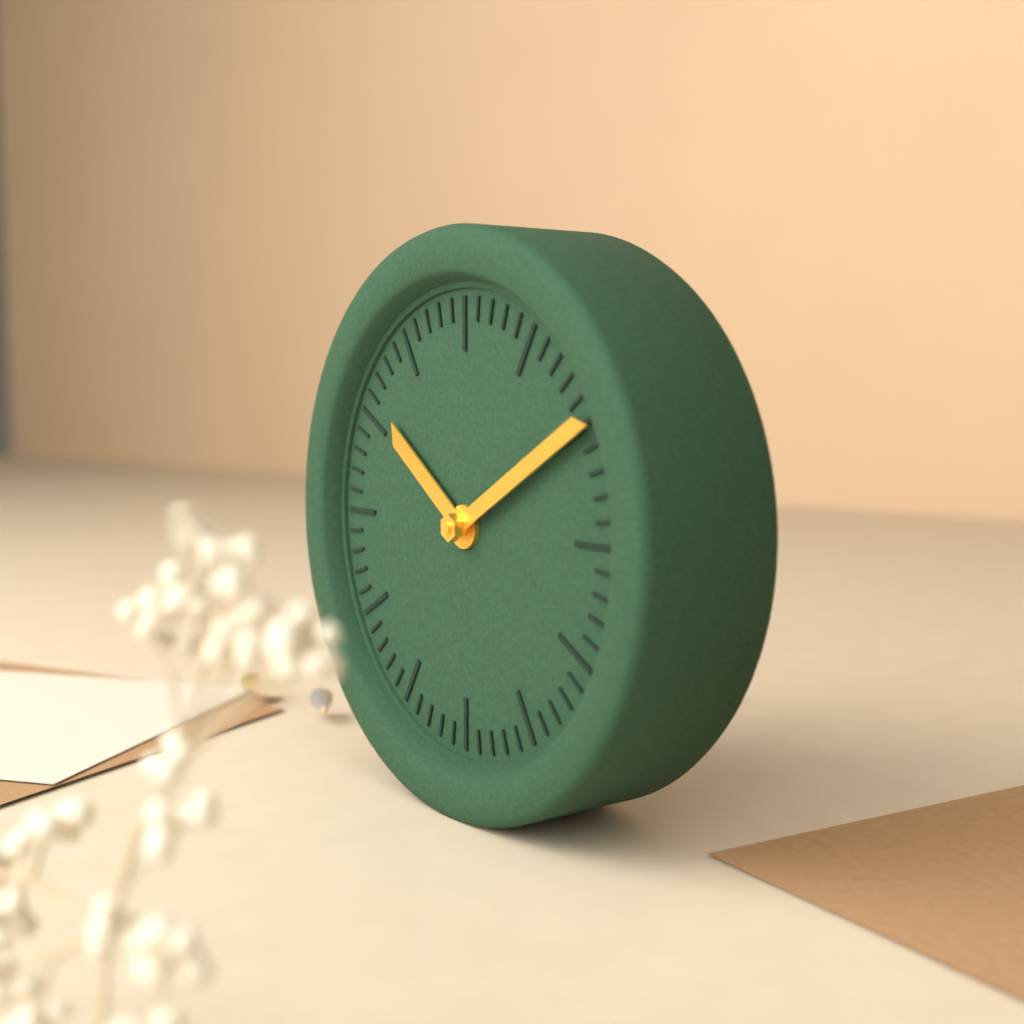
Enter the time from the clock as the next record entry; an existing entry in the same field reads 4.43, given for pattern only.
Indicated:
10.10
